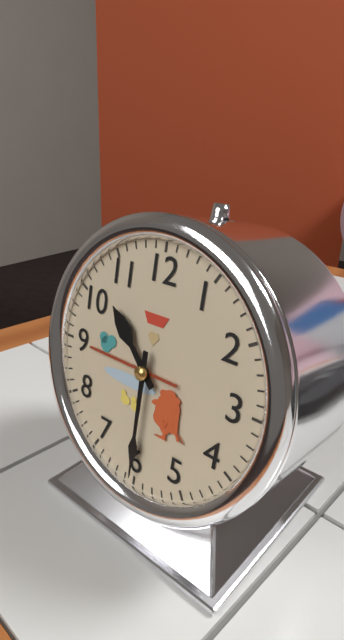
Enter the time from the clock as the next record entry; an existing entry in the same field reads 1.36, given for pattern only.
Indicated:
10.30
